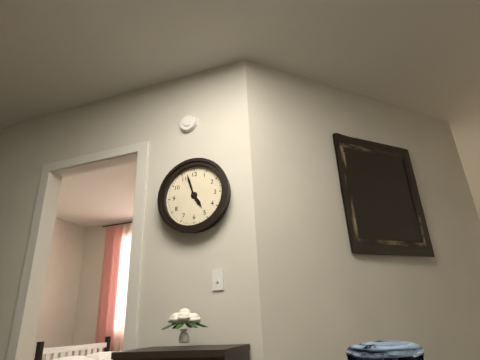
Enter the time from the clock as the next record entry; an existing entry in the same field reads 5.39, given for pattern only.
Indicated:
4.57
